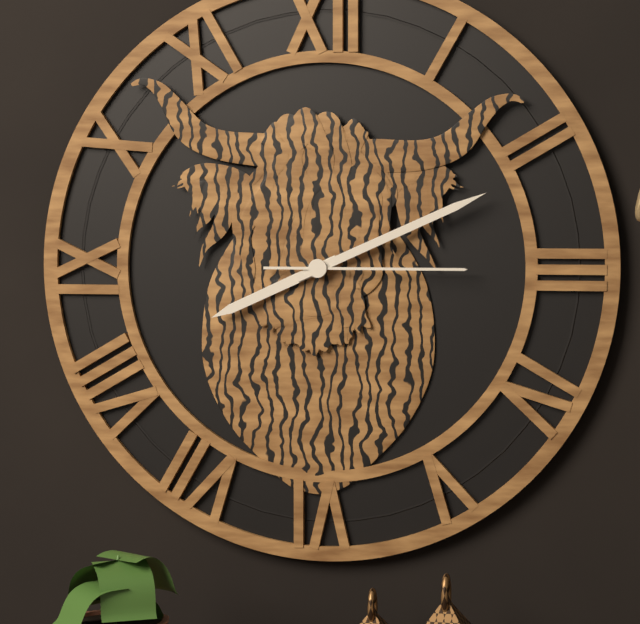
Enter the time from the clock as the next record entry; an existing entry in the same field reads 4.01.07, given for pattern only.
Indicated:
8.11.15
